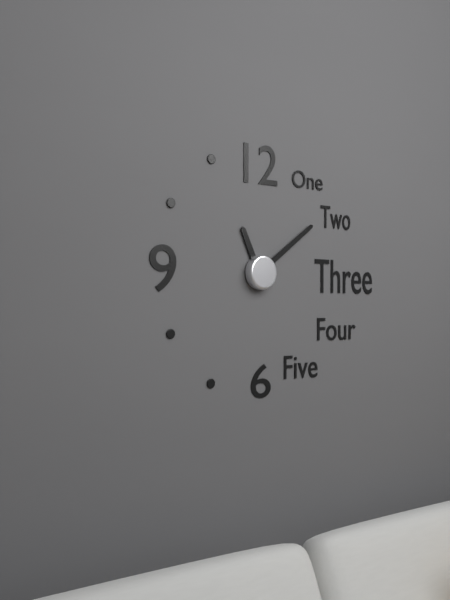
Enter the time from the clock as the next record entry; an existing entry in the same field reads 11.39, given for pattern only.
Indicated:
11.09
